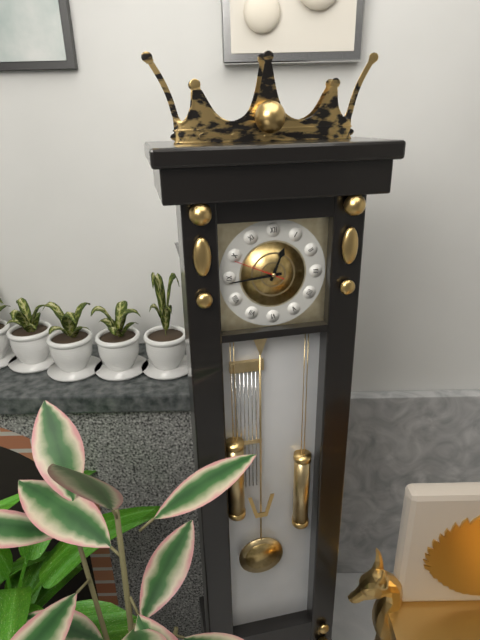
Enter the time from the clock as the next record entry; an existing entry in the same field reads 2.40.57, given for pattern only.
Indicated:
12.44.49
